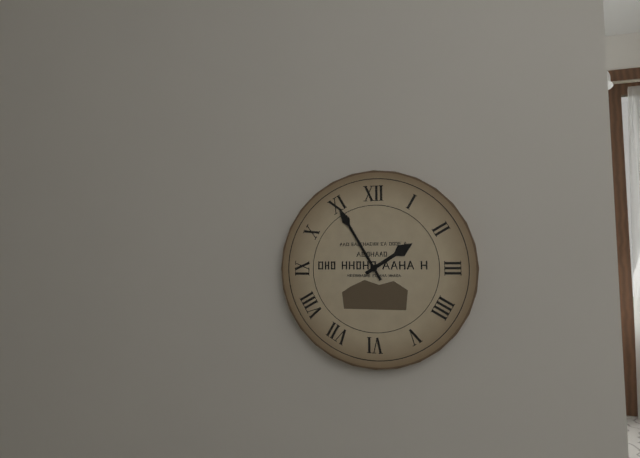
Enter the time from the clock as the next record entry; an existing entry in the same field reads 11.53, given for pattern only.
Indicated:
1.55
